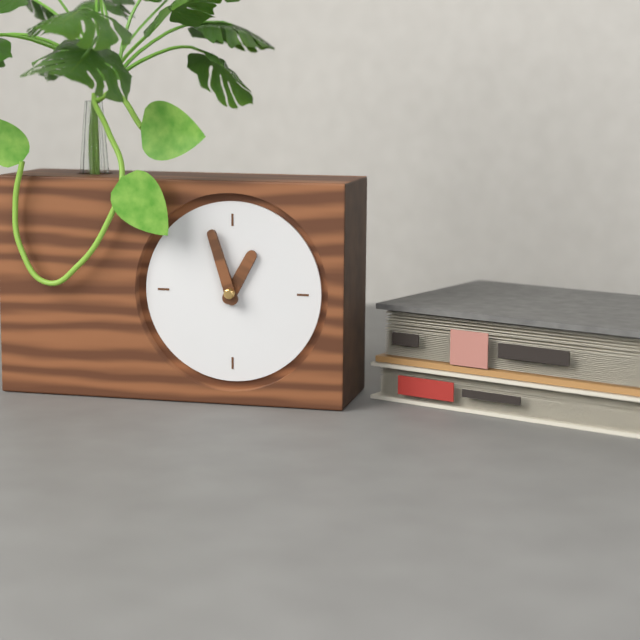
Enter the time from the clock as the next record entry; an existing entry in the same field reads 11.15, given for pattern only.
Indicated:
12.57
